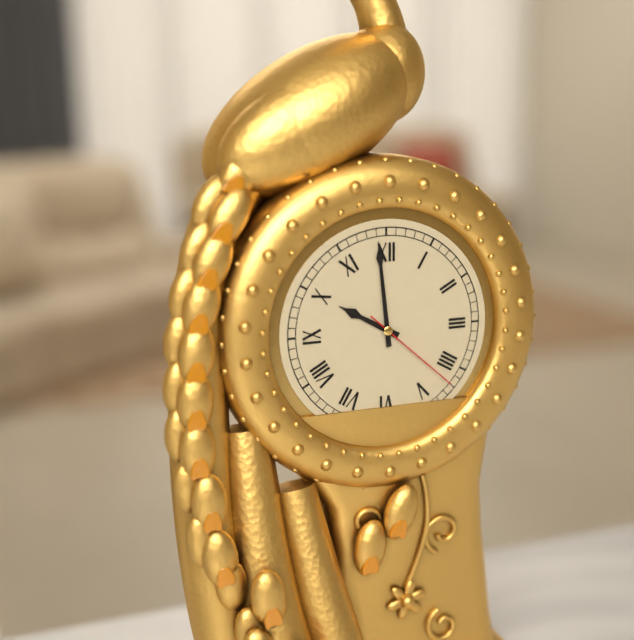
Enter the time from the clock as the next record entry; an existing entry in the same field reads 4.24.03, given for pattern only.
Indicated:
9.59.22
